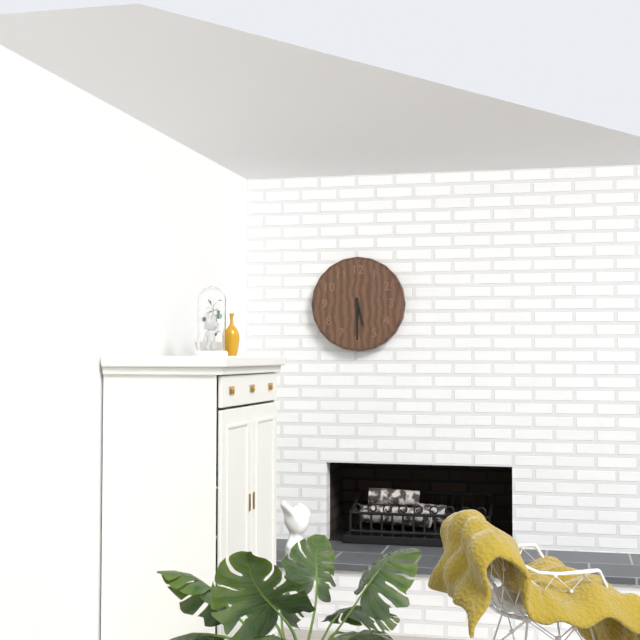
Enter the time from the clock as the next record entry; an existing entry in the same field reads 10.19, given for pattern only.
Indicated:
5.30
